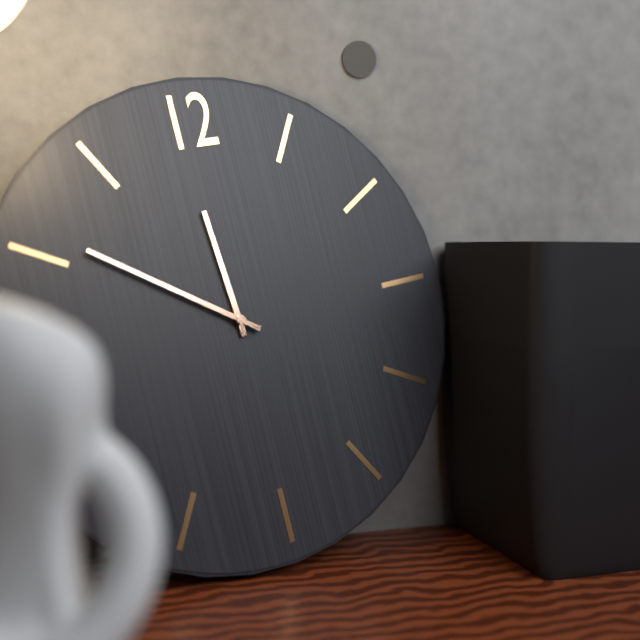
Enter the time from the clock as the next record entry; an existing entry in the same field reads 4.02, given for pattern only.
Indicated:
11.51
